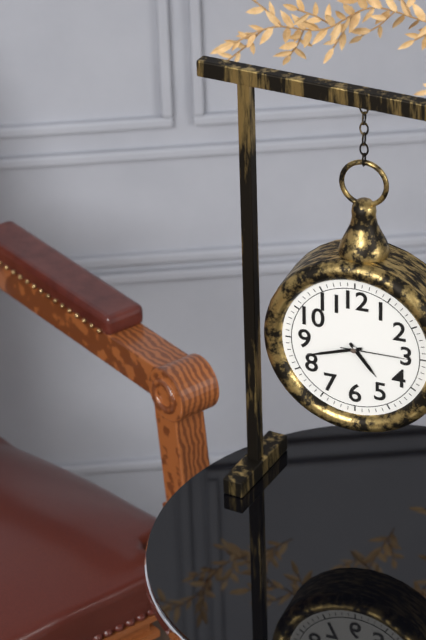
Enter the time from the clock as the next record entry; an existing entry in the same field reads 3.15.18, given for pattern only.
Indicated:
4.42.15
